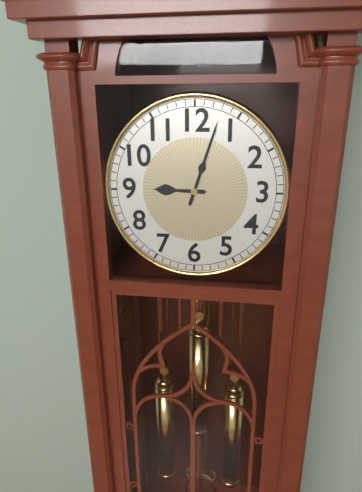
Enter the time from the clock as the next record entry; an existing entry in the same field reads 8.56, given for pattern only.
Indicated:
9.03
